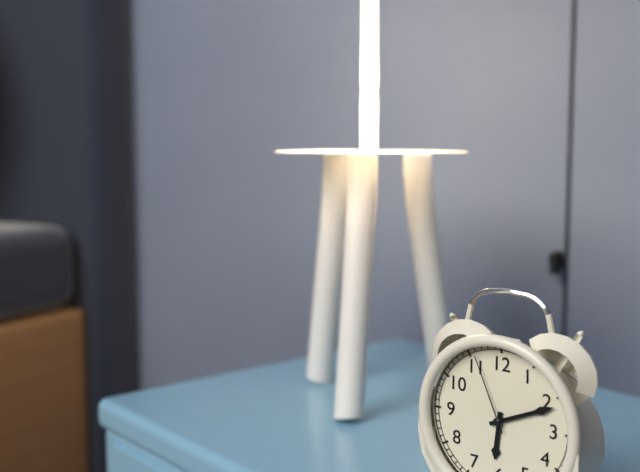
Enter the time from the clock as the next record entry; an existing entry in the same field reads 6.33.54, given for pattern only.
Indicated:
6.11.56
